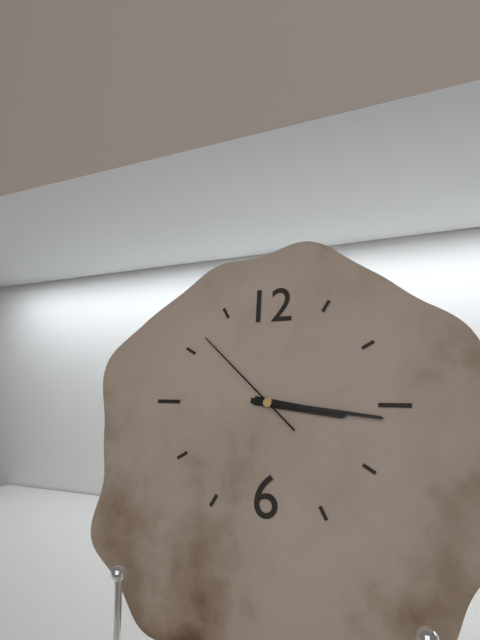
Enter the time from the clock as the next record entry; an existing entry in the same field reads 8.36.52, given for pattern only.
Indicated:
3.16.52
